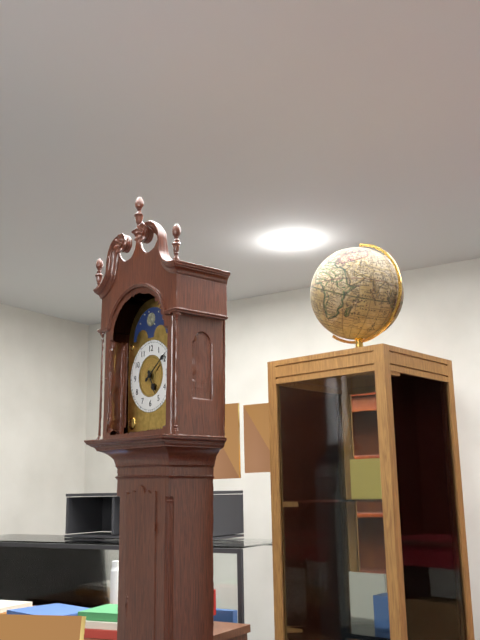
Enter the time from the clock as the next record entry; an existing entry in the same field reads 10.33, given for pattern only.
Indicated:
5.09
